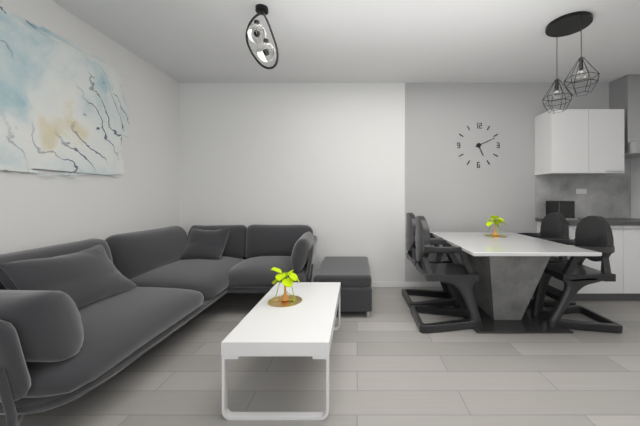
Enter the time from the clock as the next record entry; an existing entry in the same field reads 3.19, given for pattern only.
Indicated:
5.11
